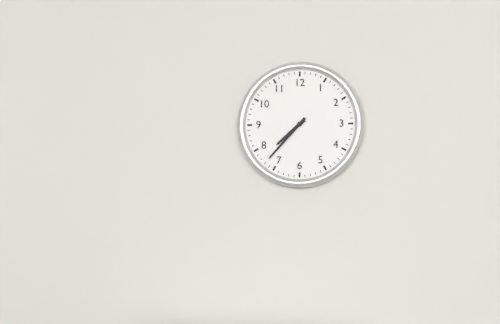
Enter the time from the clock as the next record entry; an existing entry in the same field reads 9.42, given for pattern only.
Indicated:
7.37
